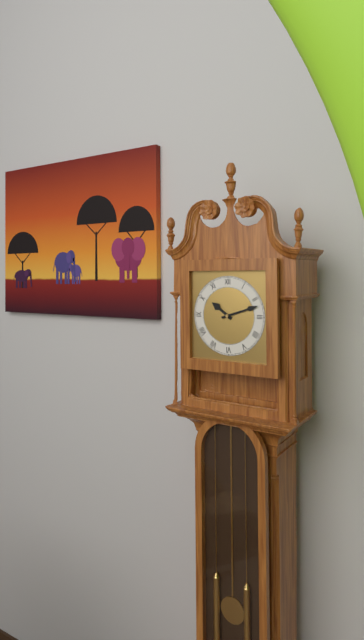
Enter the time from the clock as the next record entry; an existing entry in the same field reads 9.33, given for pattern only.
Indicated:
10.12
